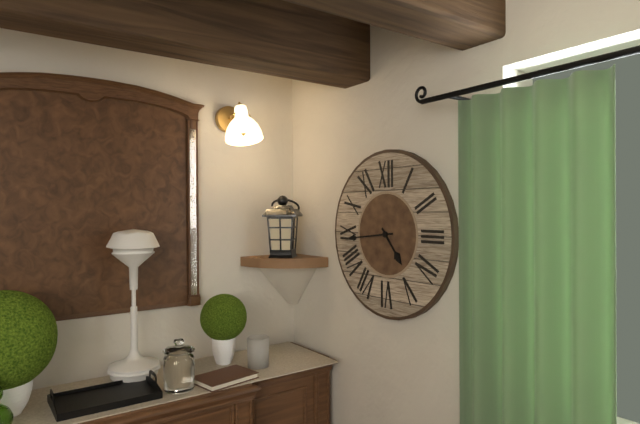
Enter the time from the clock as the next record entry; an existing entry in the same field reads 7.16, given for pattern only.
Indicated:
4.44
